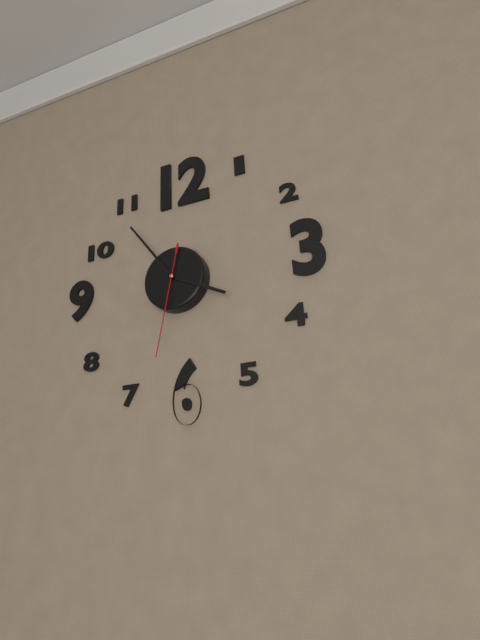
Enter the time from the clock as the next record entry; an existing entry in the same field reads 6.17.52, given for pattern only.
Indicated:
3.54.32
